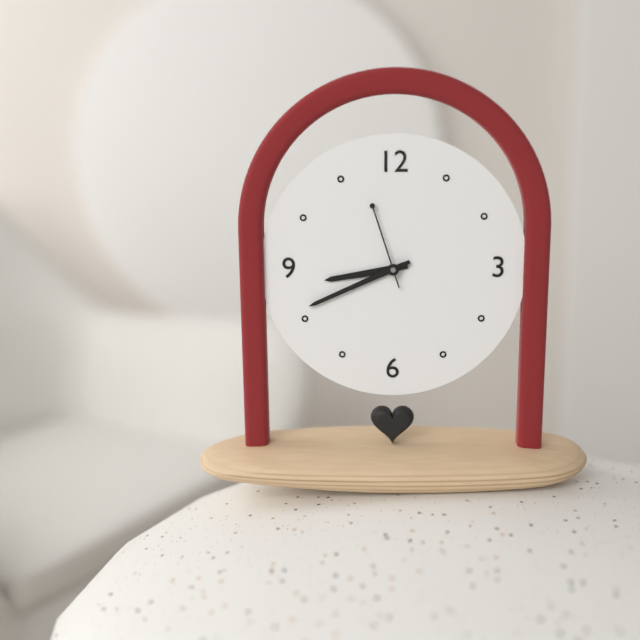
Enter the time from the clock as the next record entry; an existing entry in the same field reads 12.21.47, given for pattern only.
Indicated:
8.41.57
